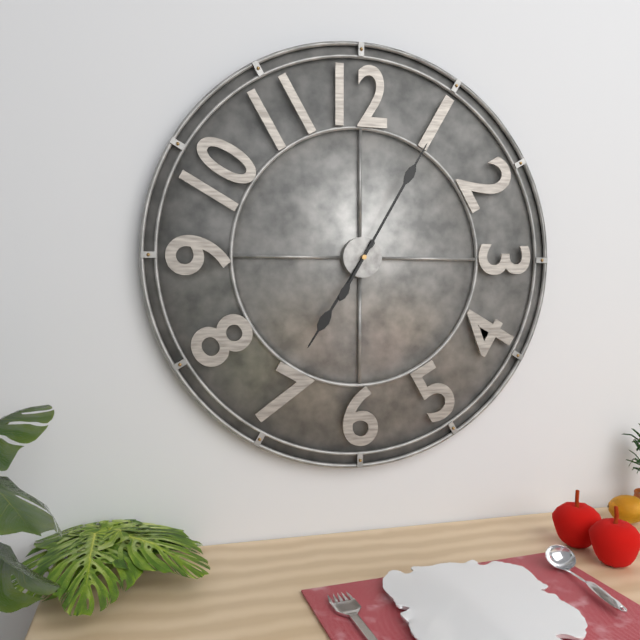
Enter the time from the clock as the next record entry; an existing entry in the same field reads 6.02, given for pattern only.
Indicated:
7.05
